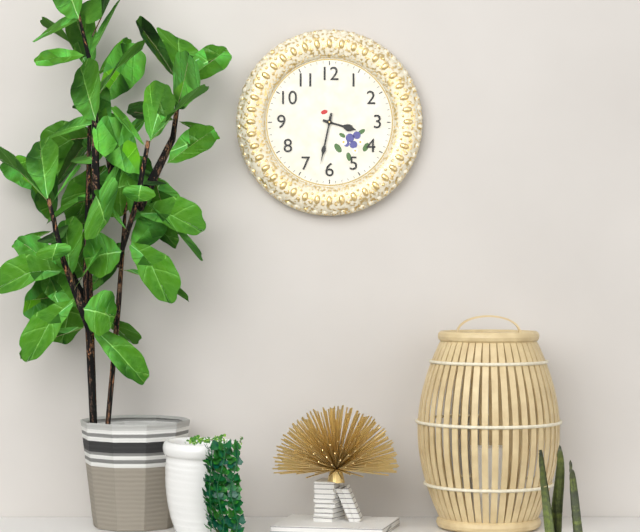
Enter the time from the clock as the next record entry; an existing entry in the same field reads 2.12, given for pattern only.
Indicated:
3.32
